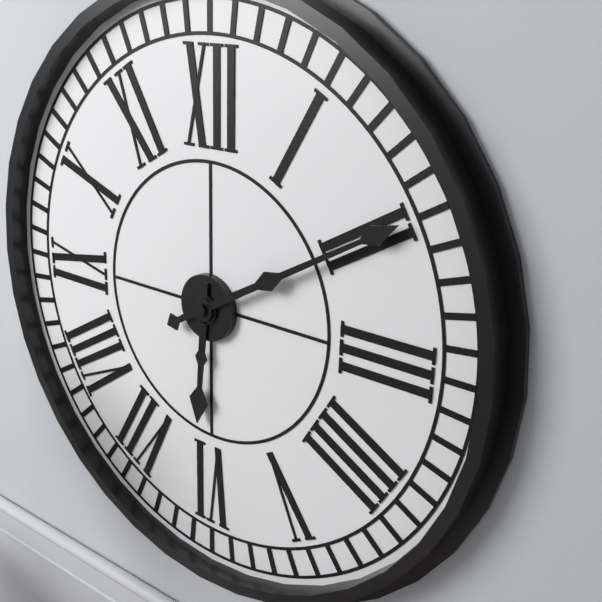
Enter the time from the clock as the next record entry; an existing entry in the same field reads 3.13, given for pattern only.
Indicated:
6.10
